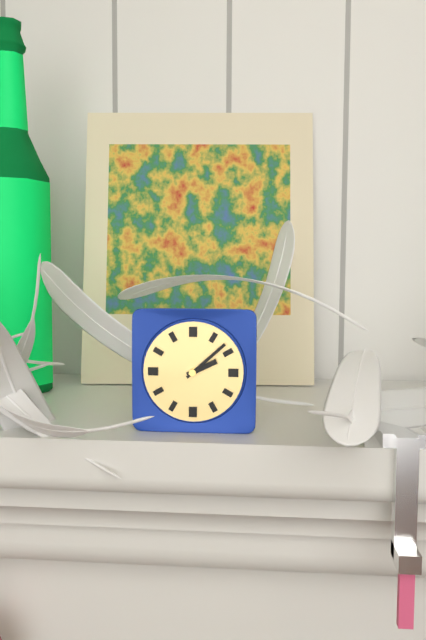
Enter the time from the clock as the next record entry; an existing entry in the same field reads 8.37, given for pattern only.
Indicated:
2.08
